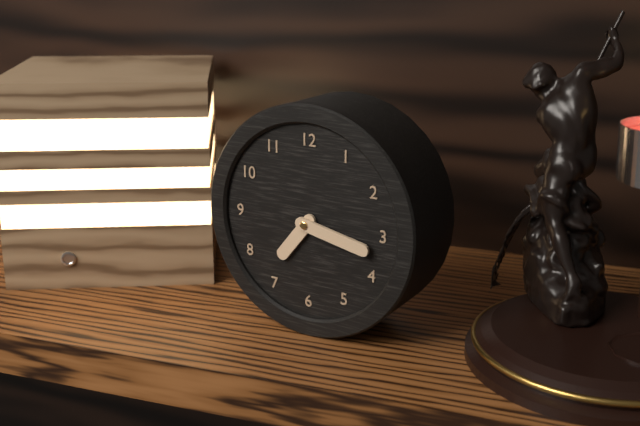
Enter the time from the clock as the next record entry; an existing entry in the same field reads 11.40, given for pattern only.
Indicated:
7.17
